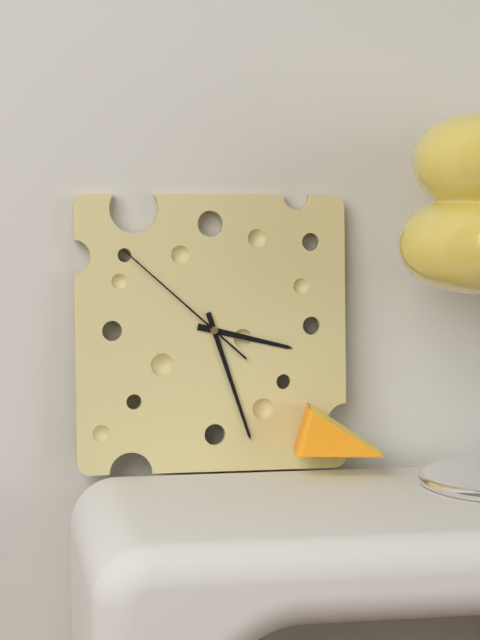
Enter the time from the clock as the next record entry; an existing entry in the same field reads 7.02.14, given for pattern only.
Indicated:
3.27.52
